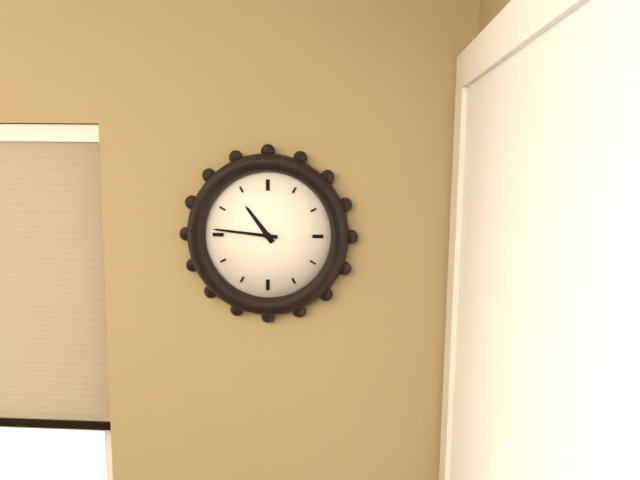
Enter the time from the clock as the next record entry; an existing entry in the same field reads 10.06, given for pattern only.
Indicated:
10.46
